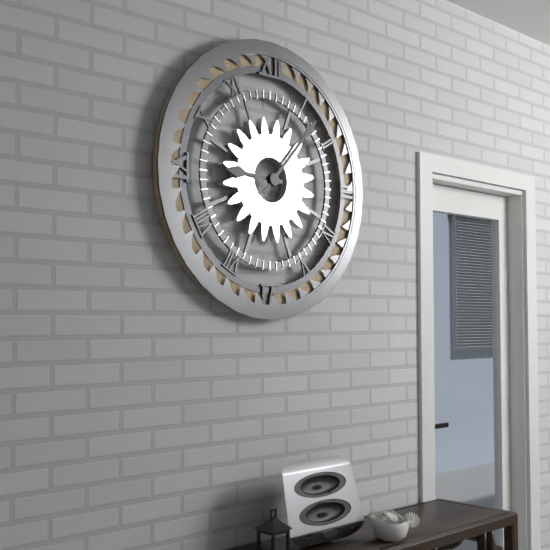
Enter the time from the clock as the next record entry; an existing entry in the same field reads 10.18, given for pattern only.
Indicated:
9.07
